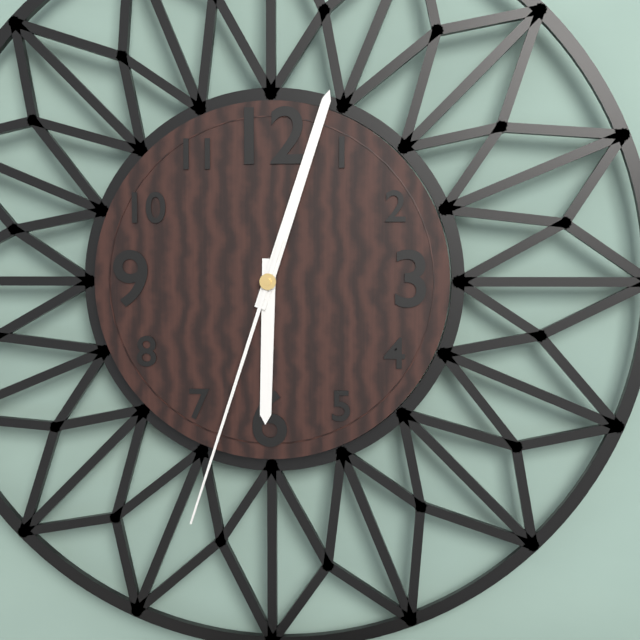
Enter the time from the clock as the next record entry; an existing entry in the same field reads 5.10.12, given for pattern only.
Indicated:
6.03.33
